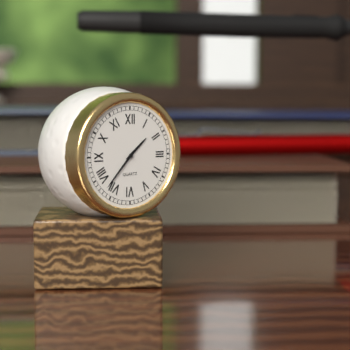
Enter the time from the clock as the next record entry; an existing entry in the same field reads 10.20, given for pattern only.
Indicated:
1.37
